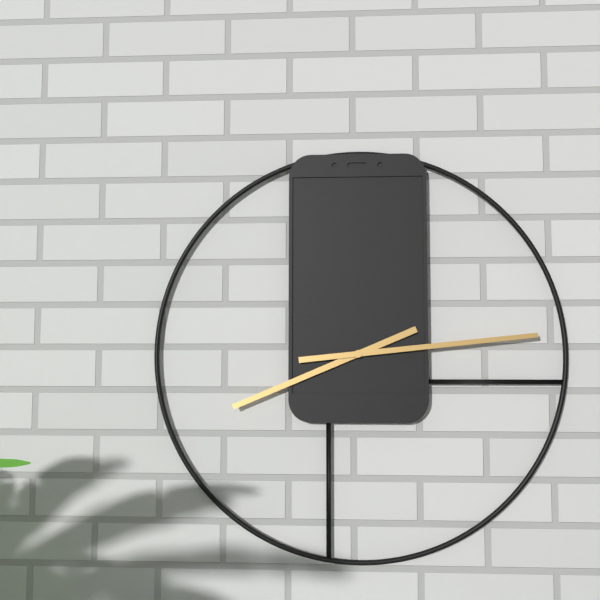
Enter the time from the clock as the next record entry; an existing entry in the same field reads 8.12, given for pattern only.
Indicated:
8.14
